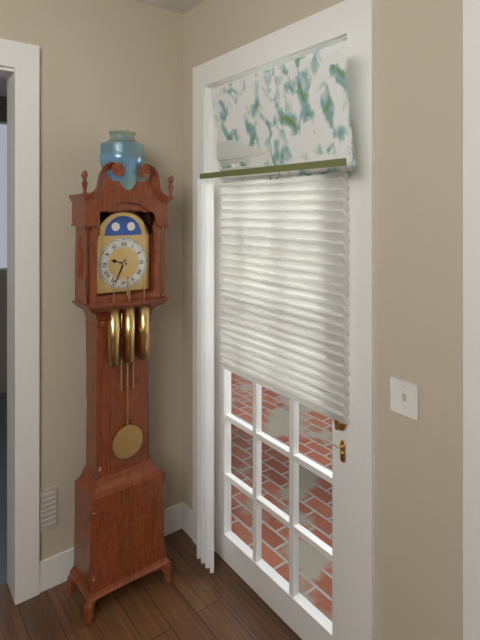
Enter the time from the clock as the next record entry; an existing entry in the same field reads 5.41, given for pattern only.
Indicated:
9.34
